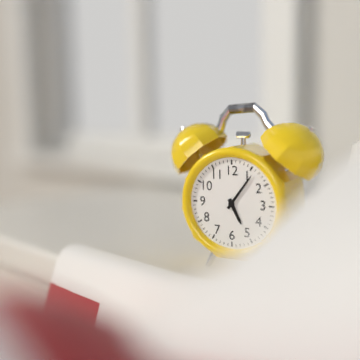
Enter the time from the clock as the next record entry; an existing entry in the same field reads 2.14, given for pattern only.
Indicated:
5.06
